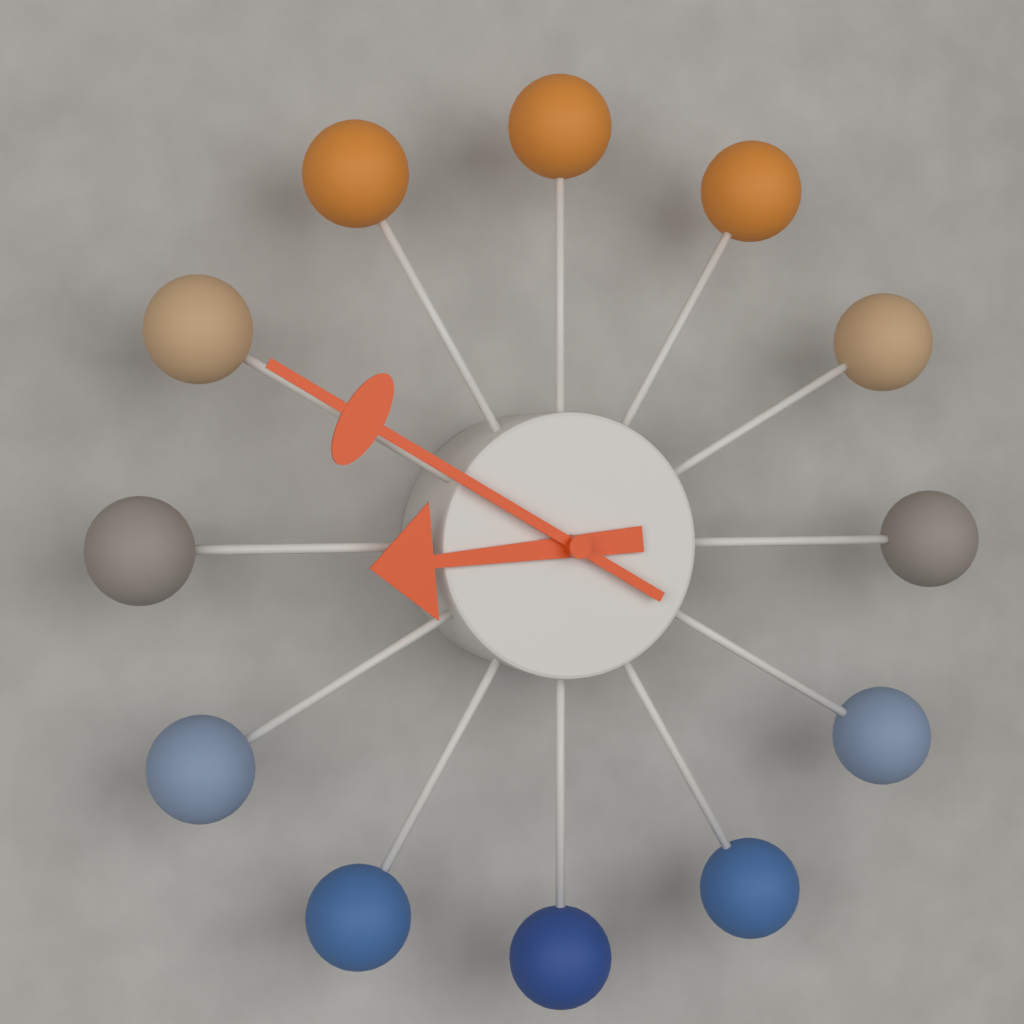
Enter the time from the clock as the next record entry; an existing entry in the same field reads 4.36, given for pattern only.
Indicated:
8.50
